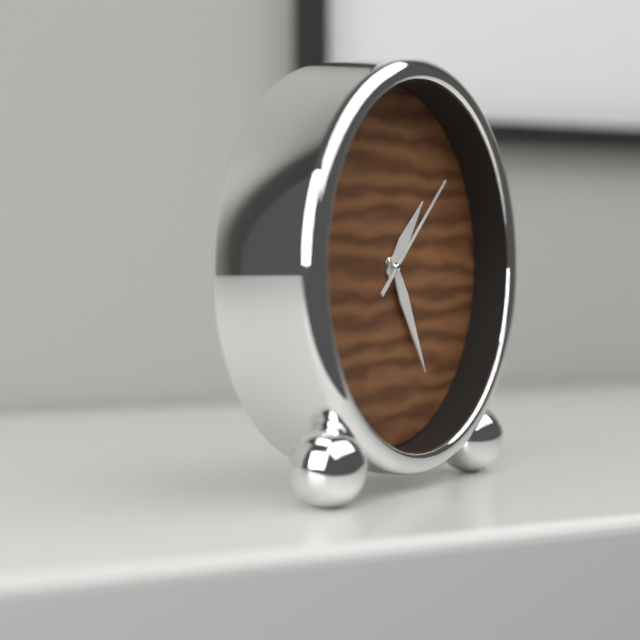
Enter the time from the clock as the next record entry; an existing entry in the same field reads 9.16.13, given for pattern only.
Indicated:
1.25.08
